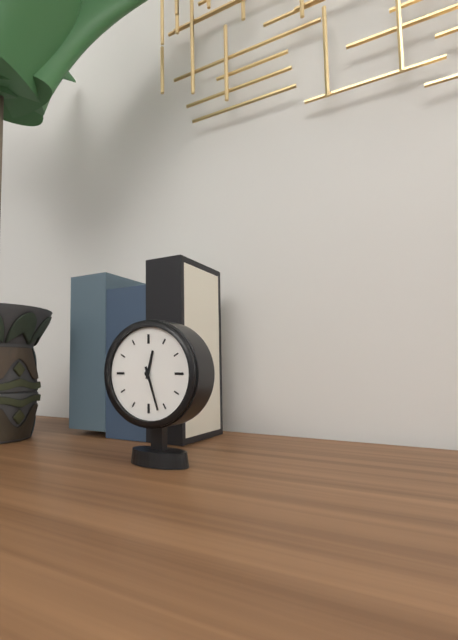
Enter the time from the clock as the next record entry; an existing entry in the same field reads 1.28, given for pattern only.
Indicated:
12.27
